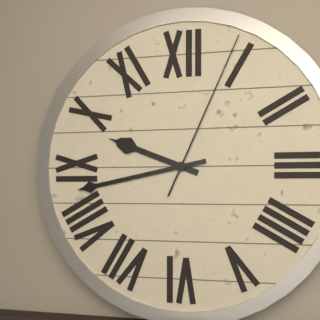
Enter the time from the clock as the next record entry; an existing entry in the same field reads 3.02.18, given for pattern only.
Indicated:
9.43.04
